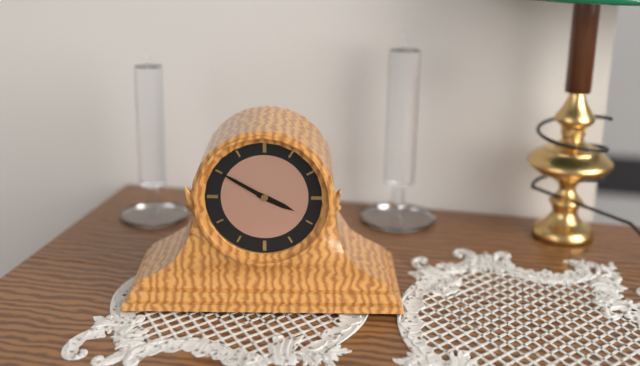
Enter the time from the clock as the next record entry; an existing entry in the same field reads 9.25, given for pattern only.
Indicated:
3.50
